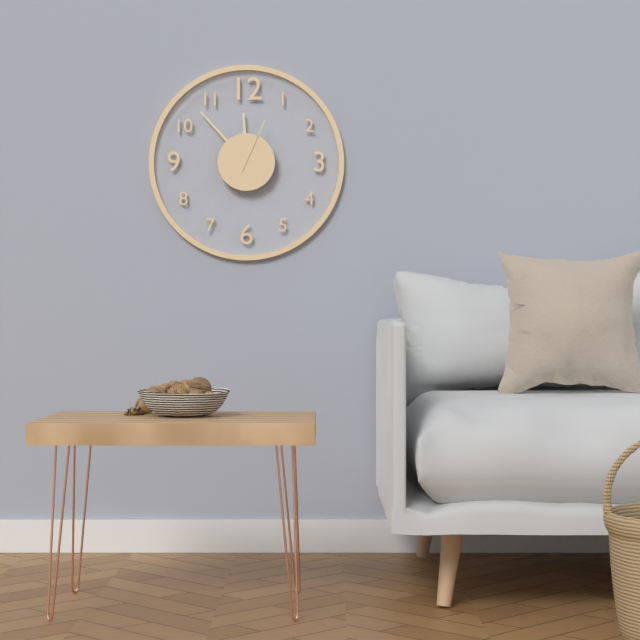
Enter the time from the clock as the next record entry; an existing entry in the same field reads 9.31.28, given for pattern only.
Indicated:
11.53.04
